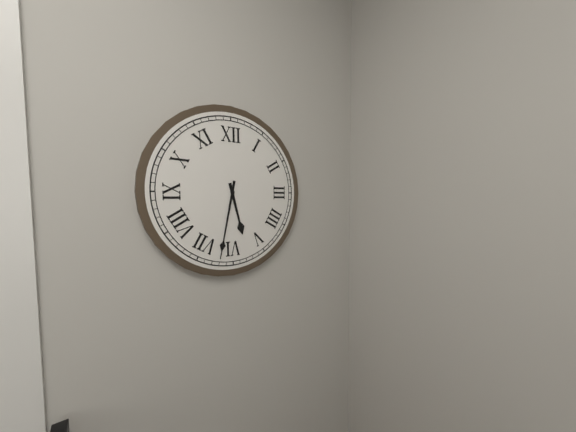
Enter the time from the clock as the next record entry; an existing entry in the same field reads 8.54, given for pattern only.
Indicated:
5.32
